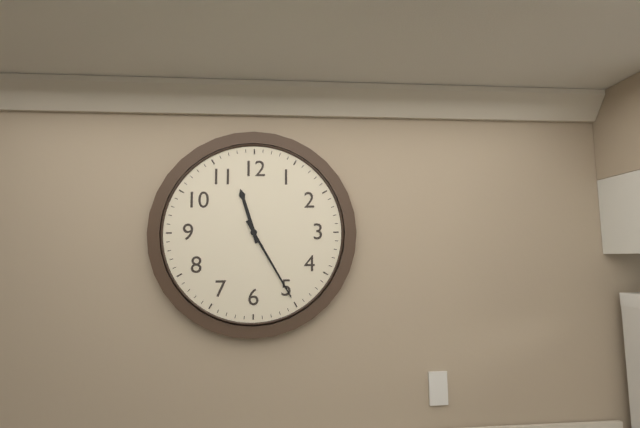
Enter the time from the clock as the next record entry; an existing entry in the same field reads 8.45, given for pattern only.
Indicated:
11.25
